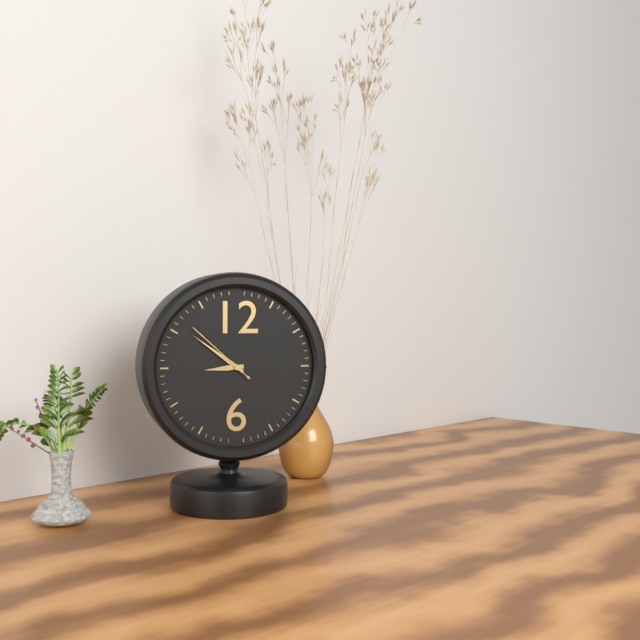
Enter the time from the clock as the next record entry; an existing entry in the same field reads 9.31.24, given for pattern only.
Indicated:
8.51.52
